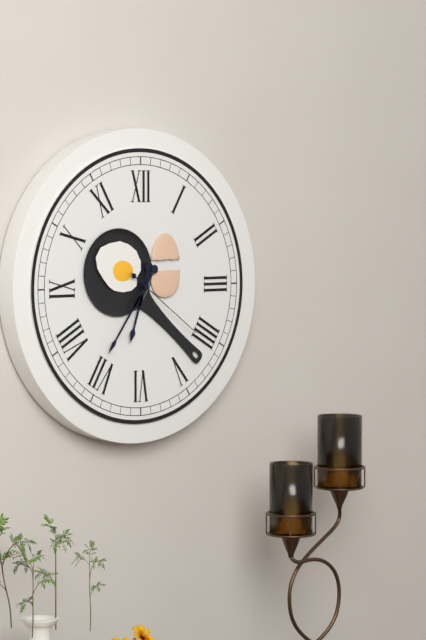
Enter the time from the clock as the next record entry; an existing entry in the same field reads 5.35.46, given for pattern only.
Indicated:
6.36.21
